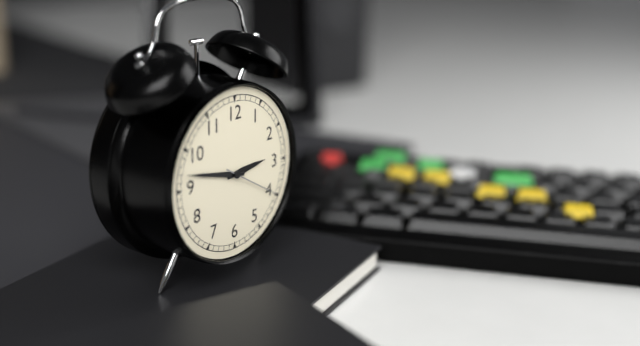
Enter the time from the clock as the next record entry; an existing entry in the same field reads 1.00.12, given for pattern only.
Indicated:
2.47.20
